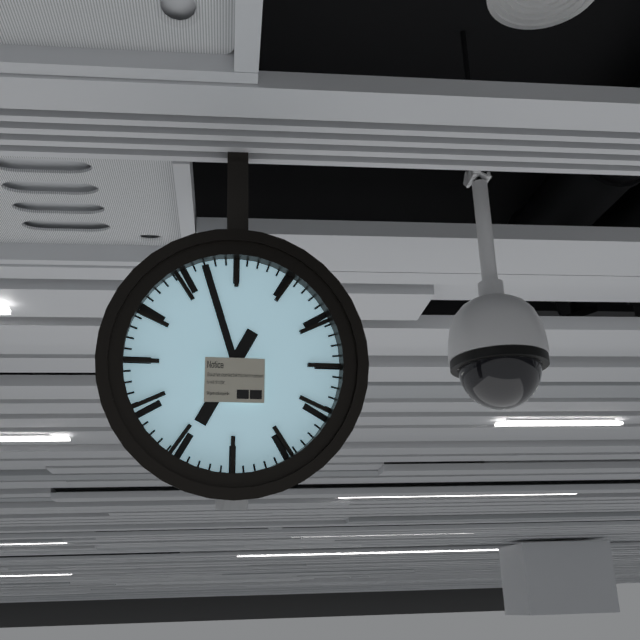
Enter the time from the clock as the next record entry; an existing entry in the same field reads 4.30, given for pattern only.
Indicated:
6.57
